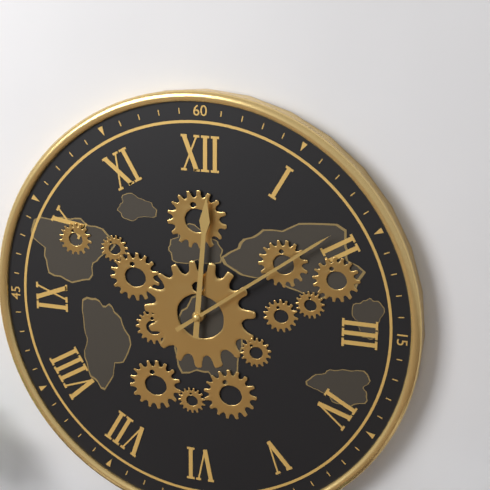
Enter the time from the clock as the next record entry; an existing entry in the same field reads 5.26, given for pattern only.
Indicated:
12.09
